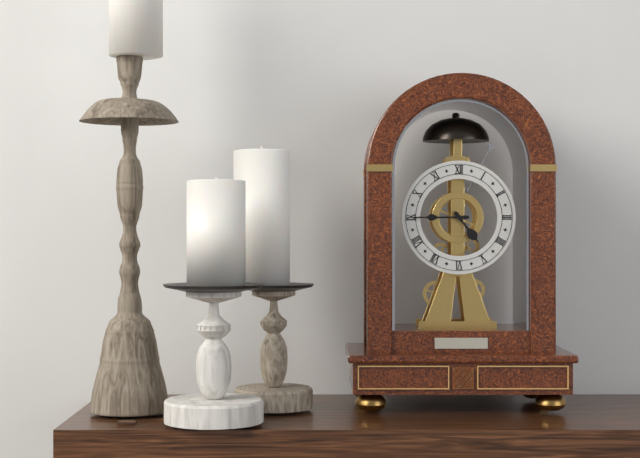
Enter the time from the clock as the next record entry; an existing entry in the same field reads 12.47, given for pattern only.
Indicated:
4.45
